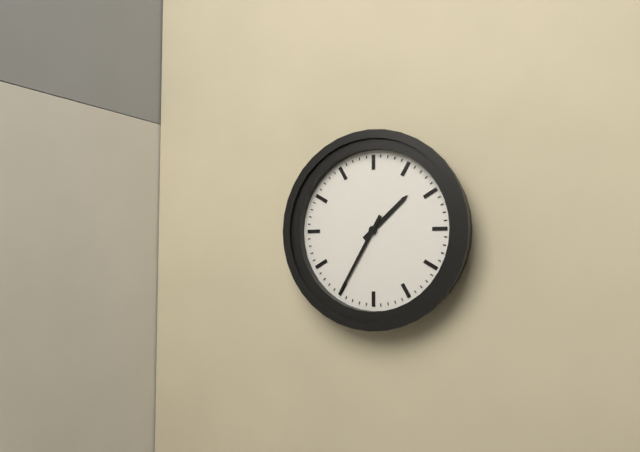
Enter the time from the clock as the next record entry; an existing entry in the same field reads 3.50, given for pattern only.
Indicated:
1.35
